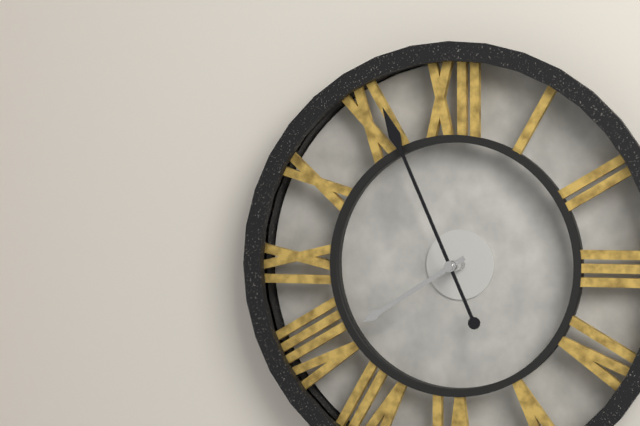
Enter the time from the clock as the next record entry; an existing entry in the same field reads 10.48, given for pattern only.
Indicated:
7.56
